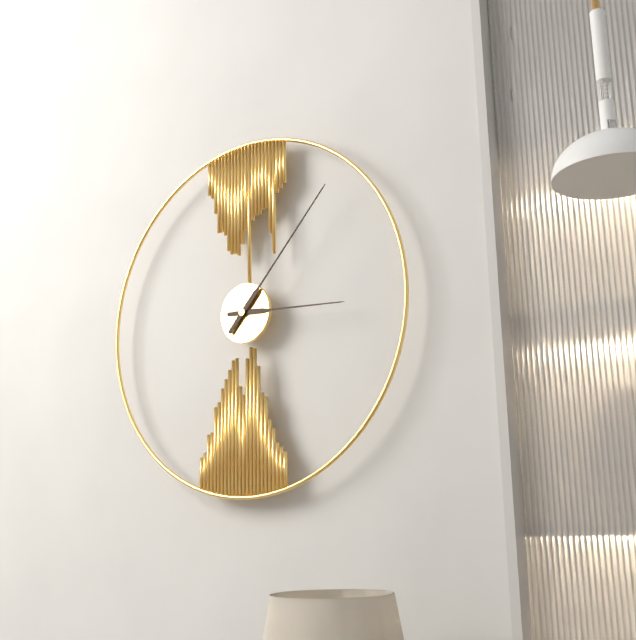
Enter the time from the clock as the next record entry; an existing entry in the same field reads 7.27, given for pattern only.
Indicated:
3.07
